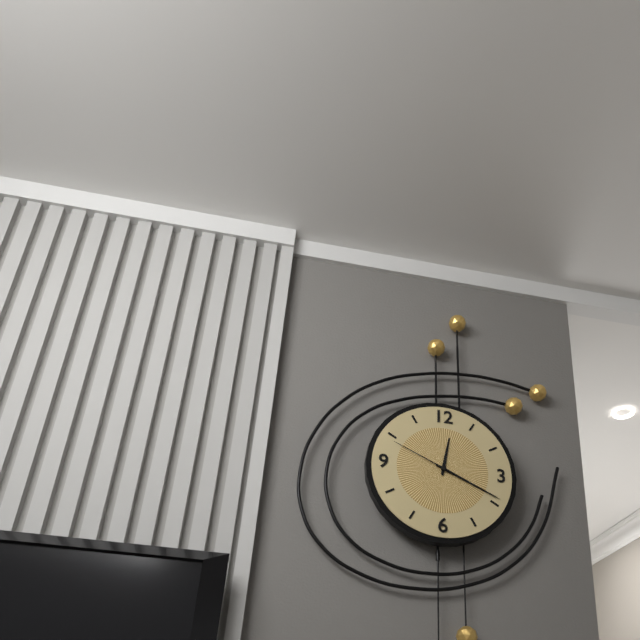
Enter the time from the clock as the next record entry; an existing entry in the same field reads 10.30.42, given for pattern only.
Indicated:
12.19.49
